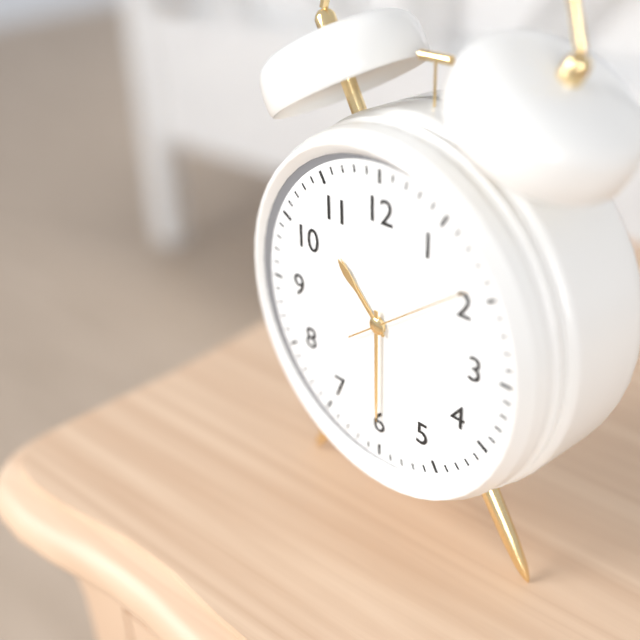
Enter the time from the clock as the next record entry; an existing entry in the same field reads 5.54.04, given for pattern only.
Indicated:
10.30.09
